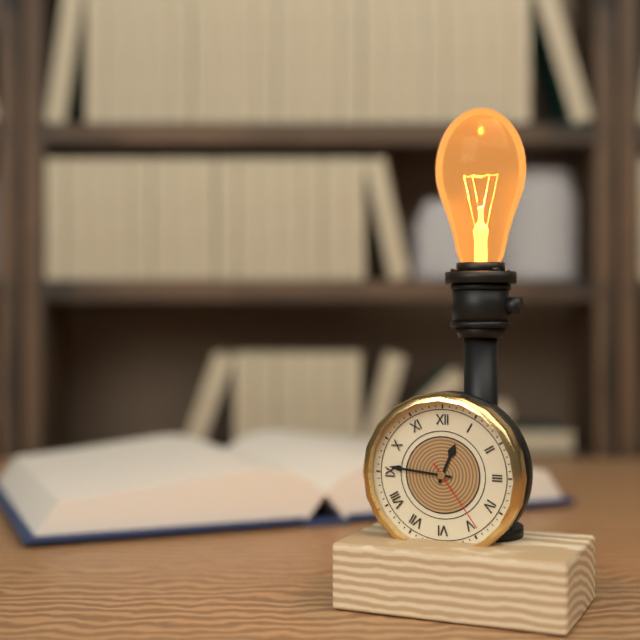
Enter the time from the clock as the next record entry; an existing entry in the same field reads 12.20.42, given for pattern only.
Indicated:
12.46.24
